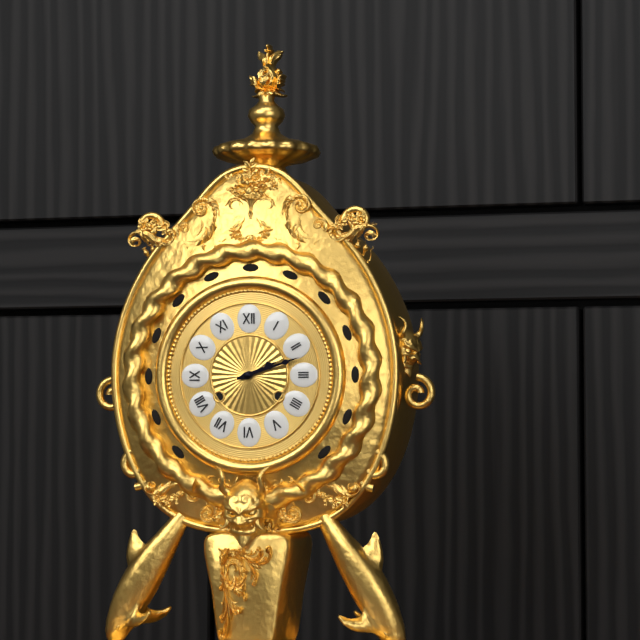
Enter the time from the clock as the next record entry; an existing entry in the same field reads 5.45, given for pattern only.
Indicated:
2.12
